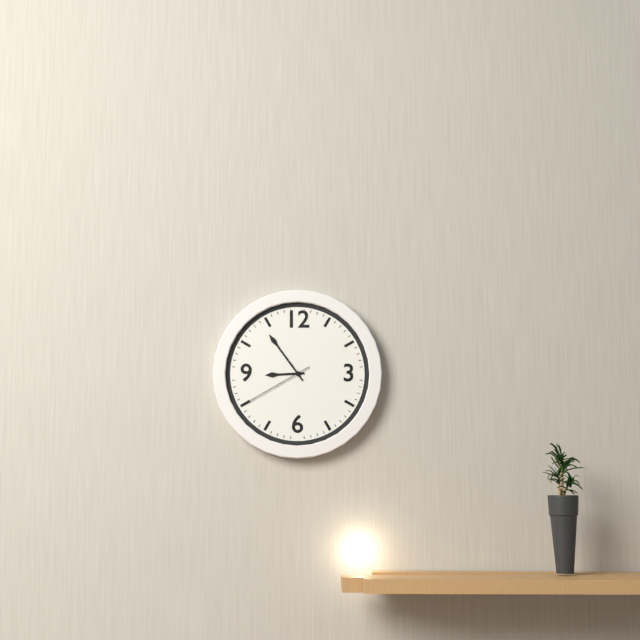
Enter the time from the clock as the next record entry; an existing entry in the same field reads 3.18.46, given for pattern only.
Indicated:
8.54.40
